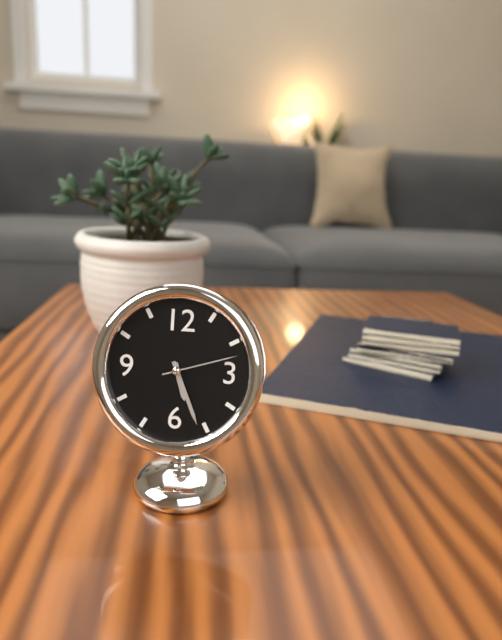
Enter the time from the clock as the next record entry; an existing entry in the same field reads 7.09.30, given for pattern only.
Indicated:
5.26.12
